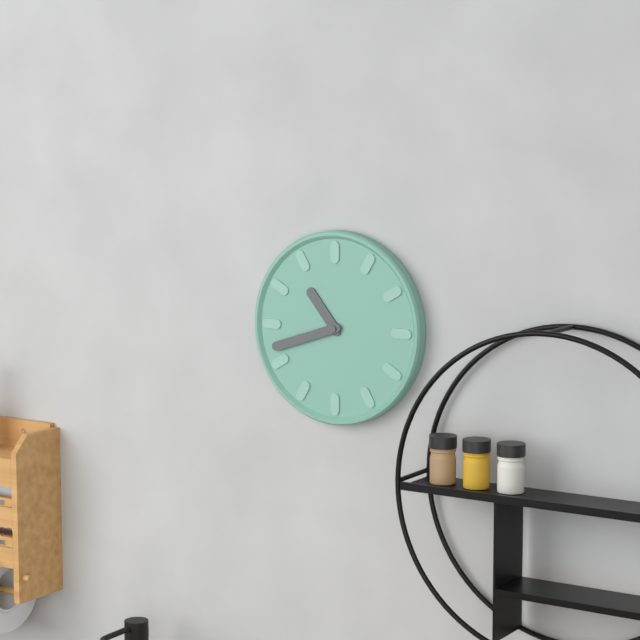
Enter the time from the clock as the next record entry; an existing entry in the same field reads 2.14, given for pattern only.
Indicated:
10.42
